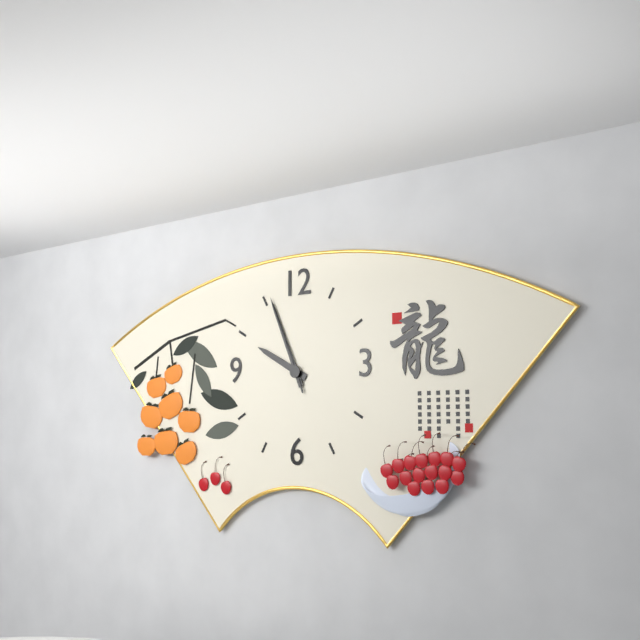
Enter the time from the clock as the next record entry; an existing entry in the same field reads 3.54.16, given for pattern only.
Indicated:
9.56.56
